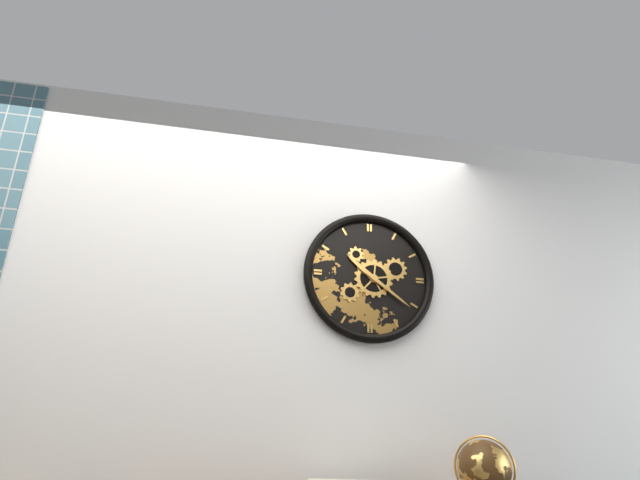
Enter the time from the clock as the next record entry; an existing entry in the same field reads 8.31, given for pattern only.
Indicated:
10.21
